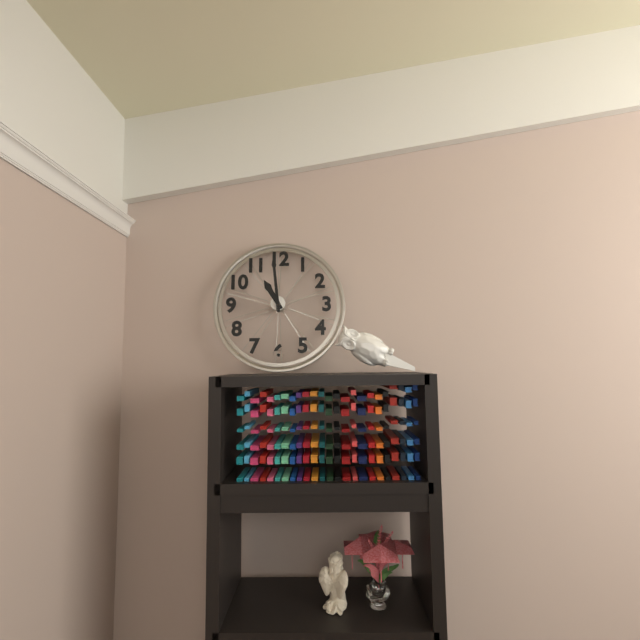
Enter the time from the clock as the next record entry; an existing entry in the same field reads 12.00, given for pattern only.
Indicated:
10.59
